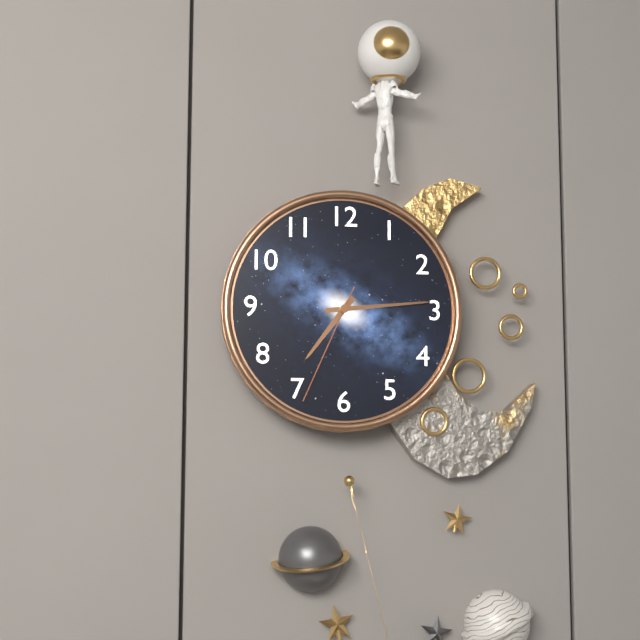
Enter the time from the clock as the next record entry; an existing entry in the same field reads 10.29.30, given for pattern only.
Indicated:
7.14.34
